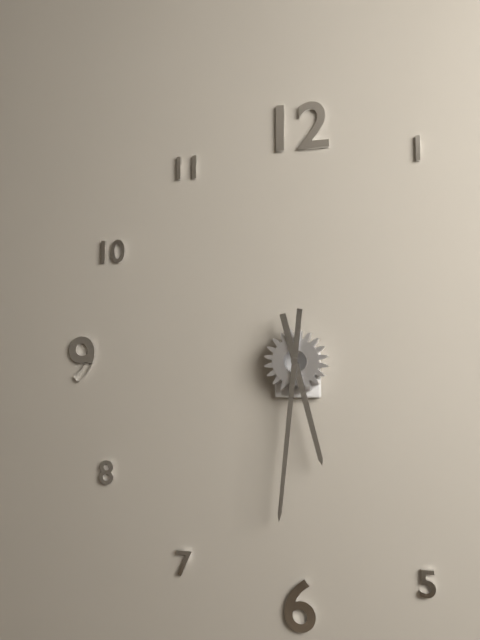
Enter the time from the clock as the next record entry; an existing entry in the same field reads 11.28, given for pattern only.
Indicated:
5.31
